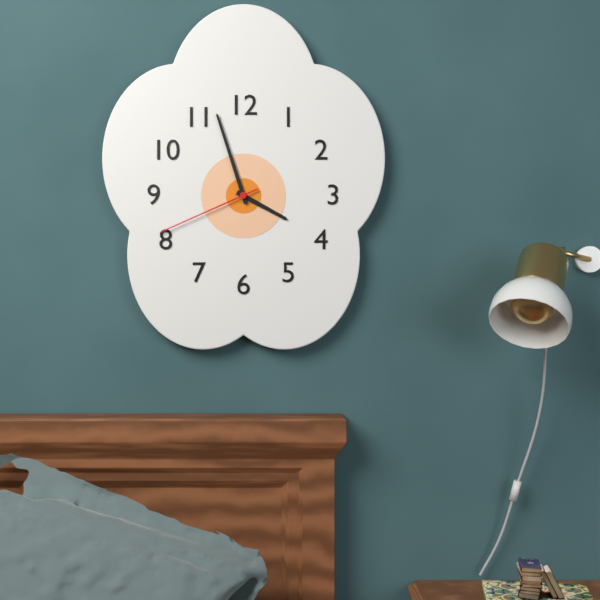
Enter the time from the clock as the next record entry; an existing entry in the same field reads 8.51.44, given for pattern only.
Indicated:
3.57.41
